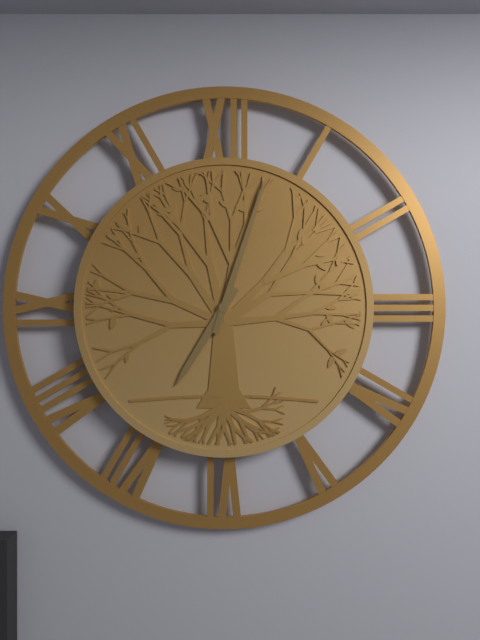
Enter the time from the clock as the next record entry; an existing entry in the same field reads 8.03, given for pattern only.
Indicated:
7.03
